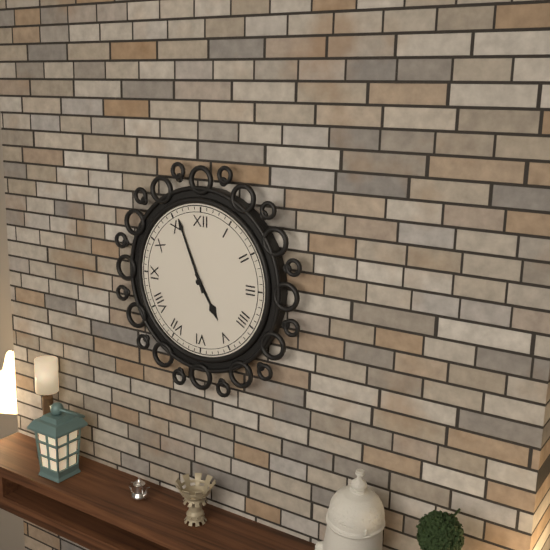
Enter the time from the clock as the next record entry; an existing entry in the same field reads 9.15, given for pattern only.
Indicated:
4.56
